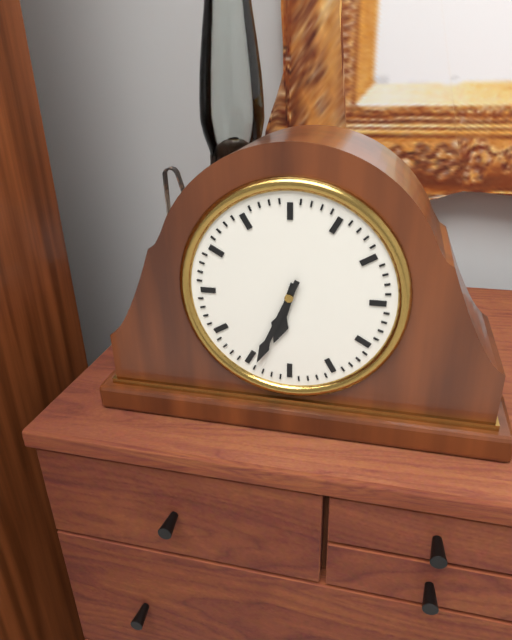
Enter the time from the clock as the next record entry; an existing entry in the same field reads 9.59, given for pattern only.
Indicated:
6.34
